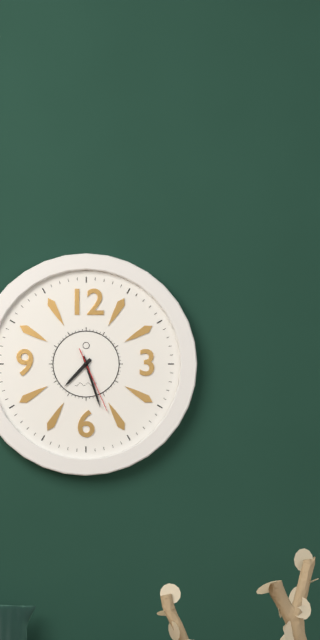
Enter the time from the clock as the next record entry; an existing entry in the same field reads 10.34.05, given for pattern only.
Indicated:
7.27.26
